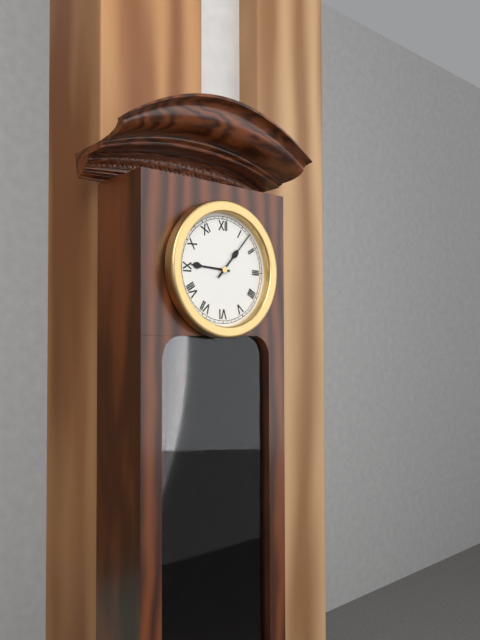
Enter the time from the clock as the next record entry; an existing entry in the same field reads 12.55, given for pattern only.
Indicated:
9.07
